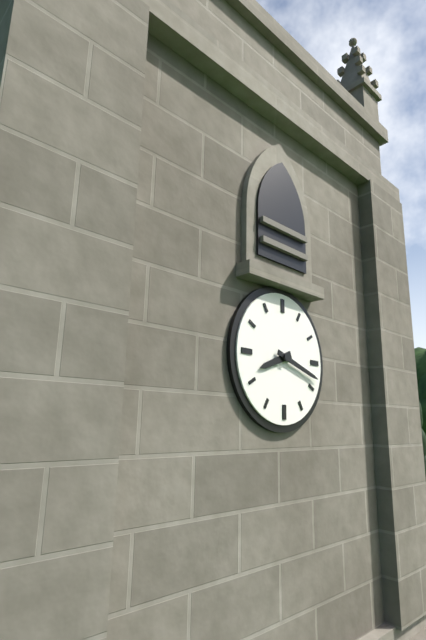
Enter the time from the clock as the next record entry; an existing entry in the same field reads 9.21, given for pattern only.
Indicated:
8.18
